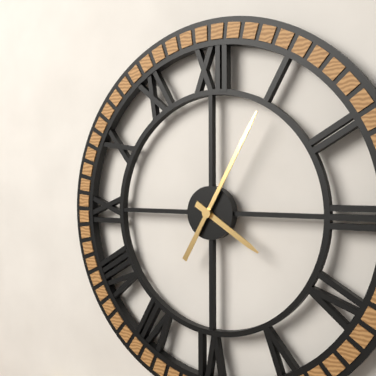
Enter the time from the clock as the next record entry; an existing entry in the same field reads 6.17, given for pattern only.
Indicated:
4.05
